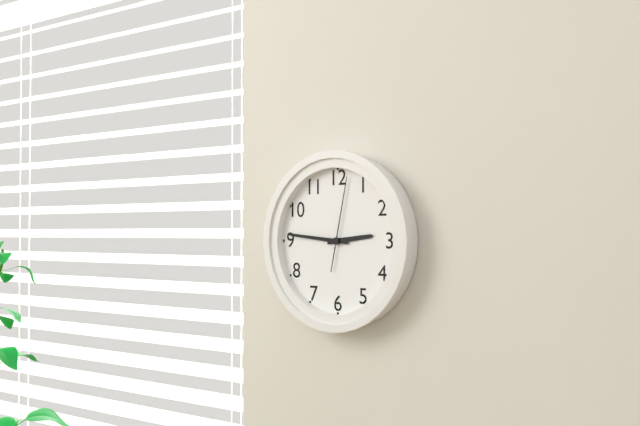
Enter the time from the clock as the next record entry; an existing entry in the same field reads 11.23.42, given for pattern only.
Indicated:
2.46.02
